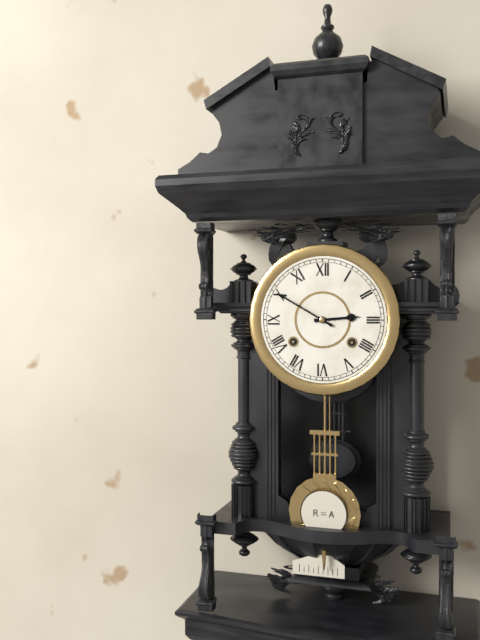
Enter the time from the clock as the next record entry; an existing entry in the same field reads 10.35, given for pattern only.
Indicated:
2.50
